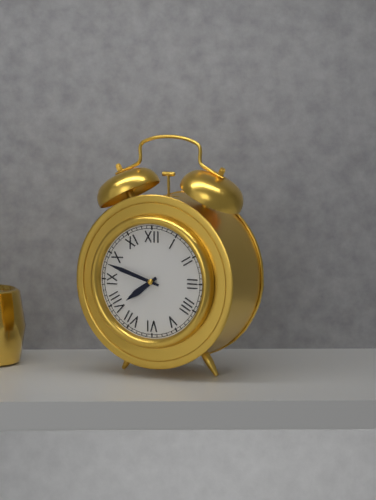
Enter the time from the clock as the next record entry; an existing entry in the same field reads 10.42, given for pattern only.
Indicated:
7.48
